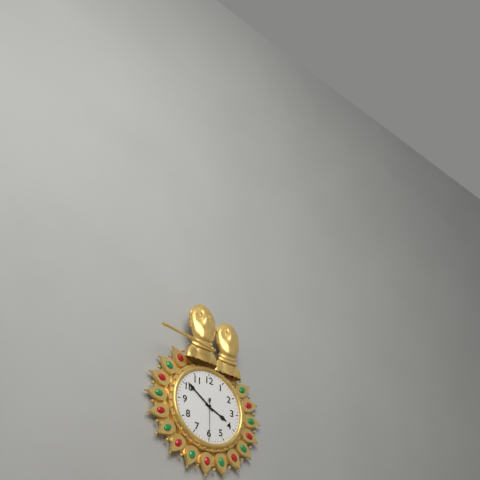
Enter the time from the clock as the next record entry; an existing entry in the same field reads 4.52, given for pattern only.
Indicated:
3.51
